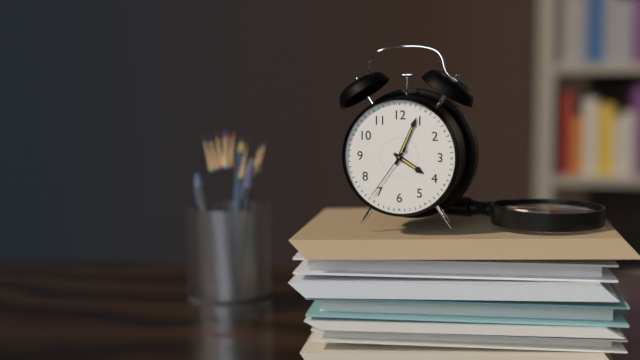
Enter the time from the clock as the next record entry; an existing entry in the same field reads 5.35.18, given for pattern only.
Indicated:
4.04.36
